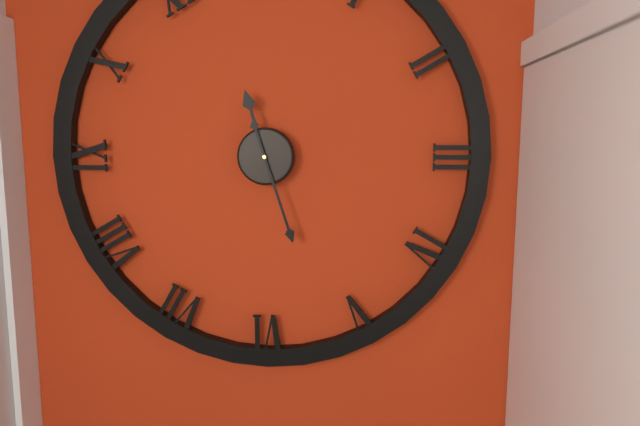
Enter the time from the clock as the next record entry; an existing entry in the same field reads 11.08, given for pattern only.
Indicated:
11.27
